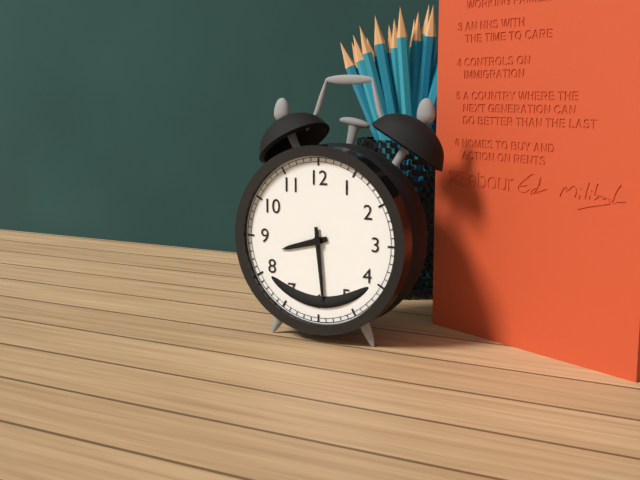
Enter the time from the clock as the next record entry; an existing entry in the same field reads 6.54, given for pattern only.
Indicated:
8.29
